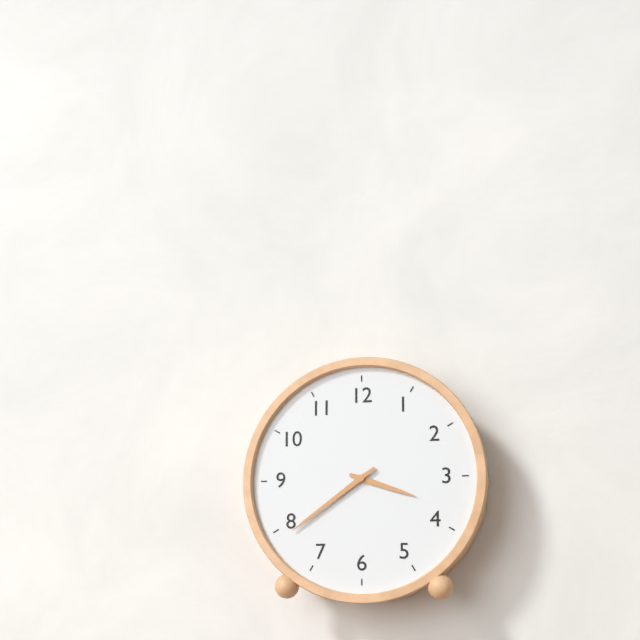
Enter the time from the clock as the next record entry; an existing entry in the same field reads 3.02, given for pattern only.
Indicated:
3.39
